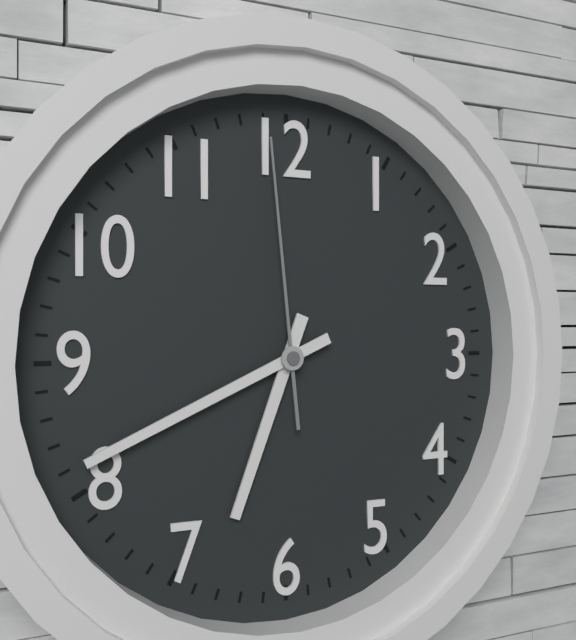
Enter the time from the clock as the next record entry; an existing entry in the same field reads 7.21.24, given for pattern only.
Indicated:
6.41.59
